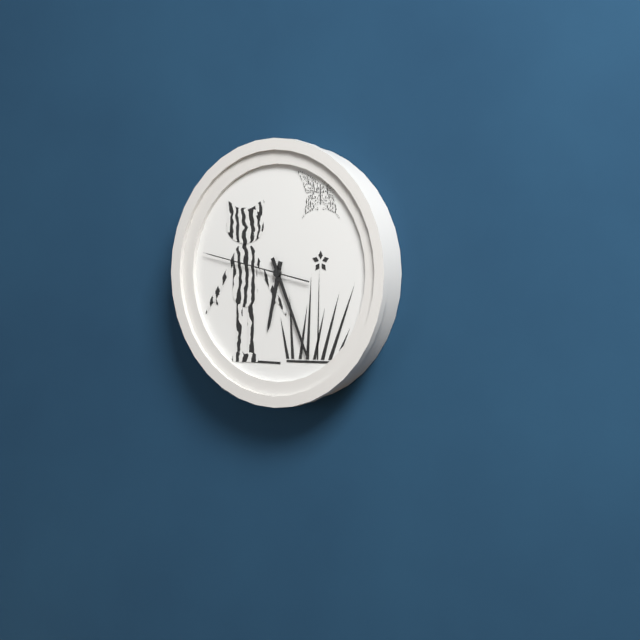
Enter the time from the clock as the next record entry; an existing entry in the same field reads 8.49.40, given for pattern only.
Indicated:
6.26.47
